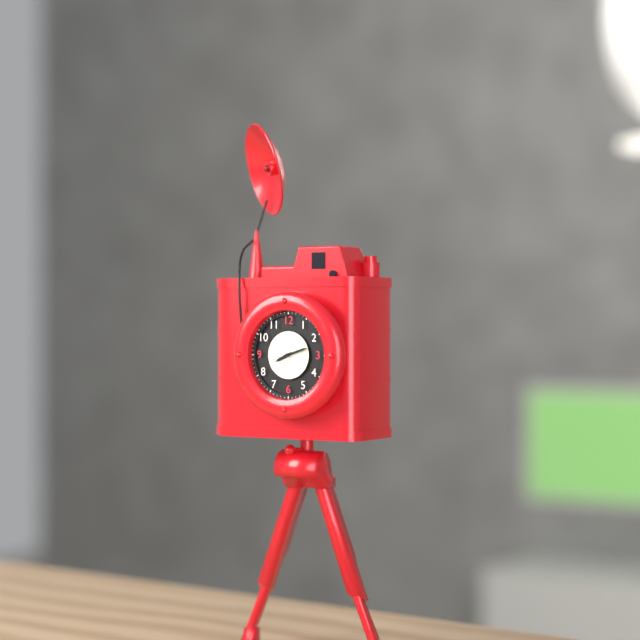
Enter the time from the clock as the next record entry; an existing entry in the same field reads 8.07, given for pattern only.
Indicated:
8.12
